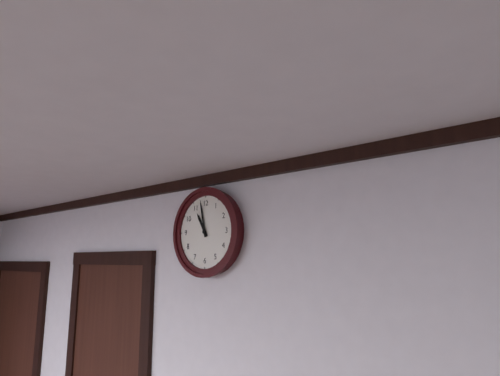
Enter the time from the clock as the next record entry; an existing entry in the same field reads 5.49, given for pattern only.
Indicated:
10.58
